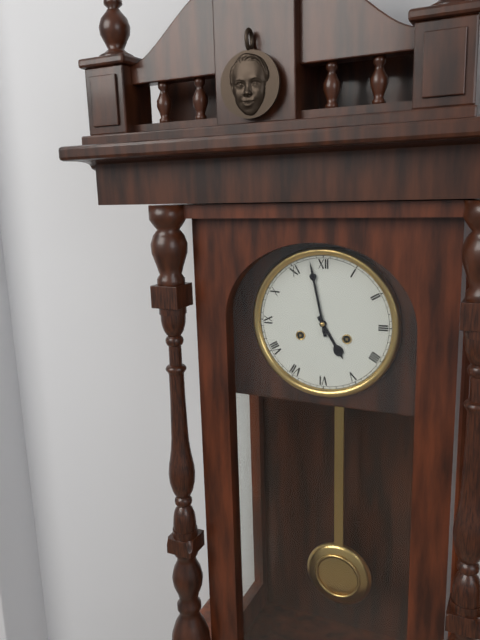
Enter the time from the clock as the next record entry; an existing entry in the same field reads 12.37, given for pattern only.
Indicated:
4.58
